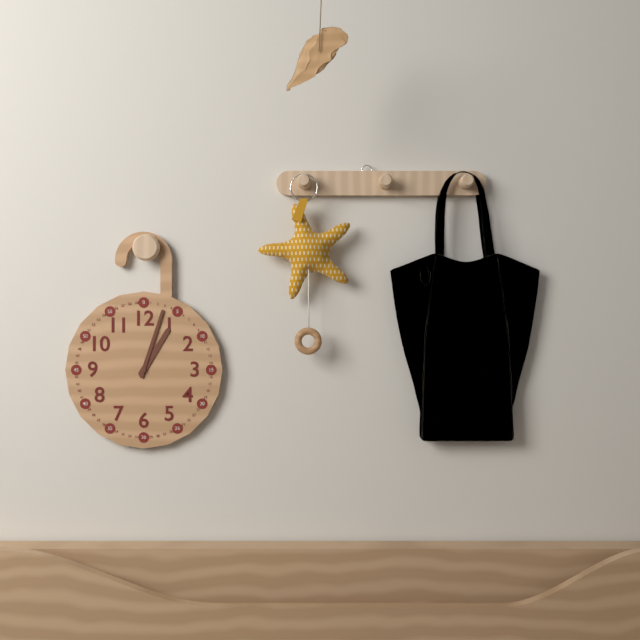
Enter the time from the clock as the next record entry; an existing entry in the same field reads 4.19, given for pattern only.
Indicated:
1.03
